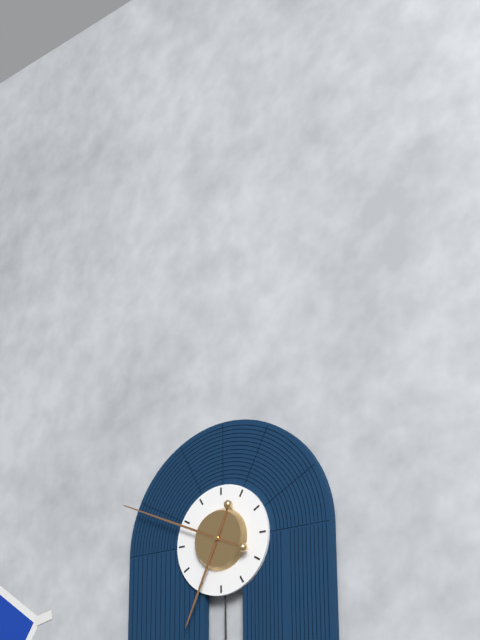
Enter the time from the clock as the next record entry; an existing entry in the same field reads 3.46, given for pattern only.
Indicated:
6.49
